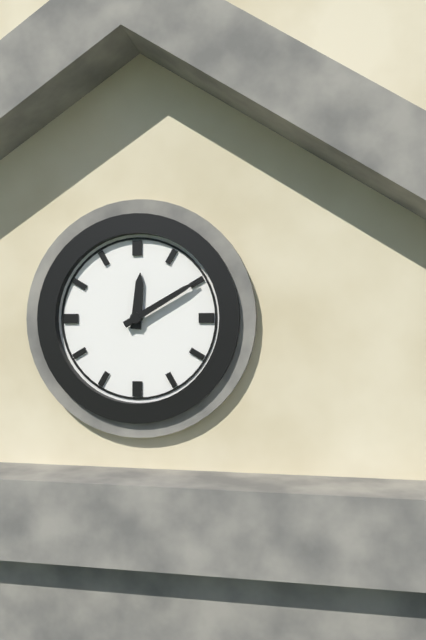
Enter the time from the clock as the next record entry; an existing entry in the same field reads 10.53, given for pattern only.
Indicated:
12.10
